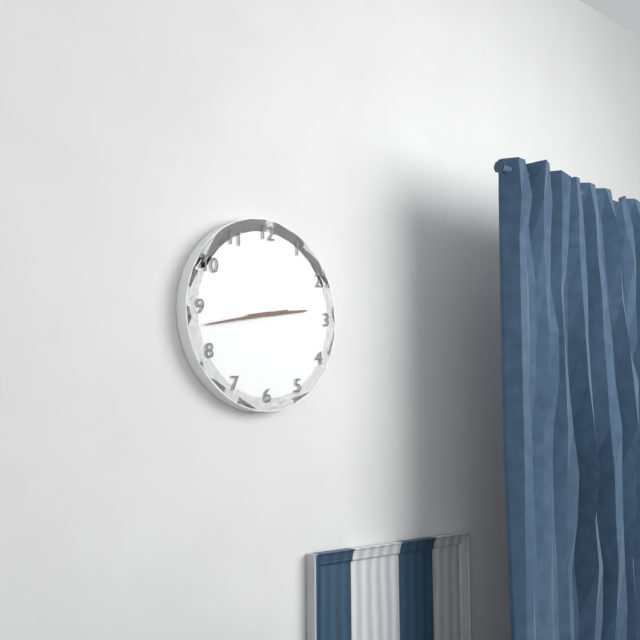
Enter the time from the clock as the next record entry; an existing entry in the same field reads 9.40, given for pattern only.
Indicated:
2.43
